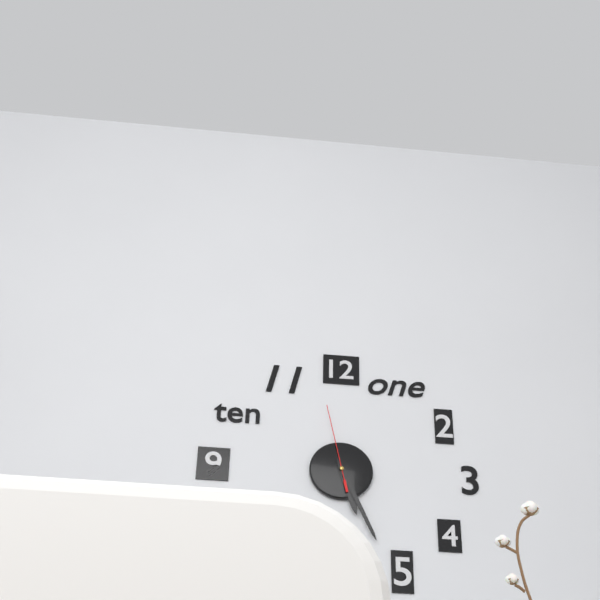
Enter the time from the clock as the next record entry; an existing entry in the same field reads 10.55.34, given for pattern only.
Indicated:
5.26.58
